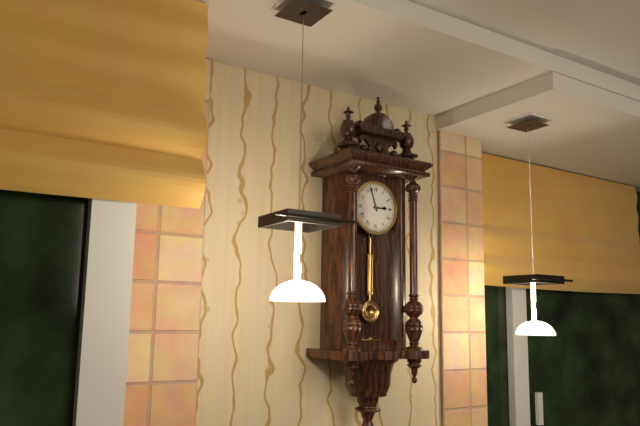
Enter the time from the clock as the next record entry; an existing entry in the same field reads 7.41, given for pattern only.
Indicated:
2.57
